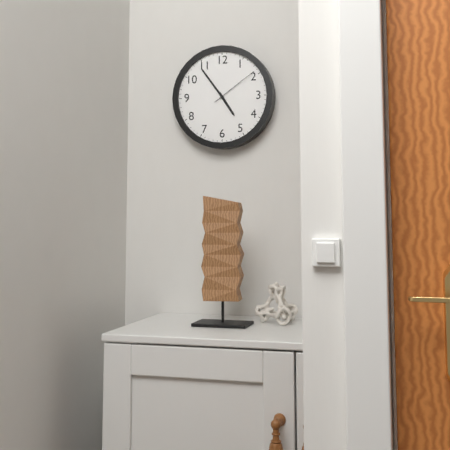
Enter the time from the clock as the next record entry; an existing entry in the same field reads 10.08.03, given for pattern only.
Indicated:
4.54.09
